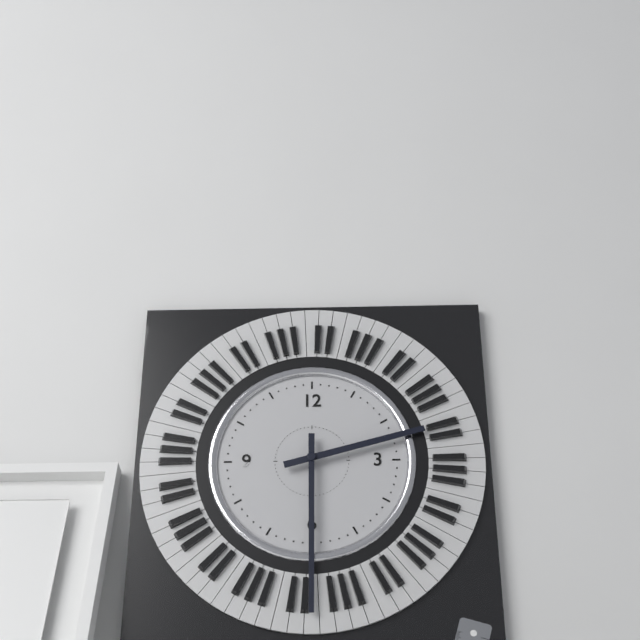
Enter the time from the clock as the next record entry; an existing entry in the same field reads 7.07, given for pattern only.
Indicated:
2.30
